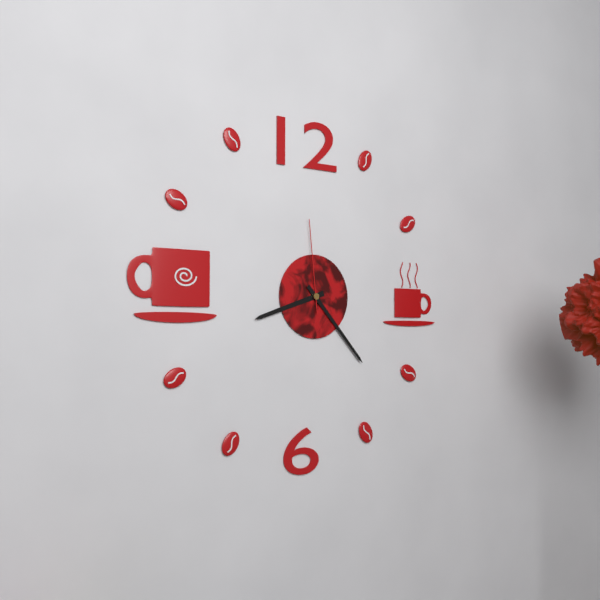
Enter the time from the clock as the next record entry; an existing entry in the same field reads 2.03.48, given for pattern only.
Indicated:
8.23.59
